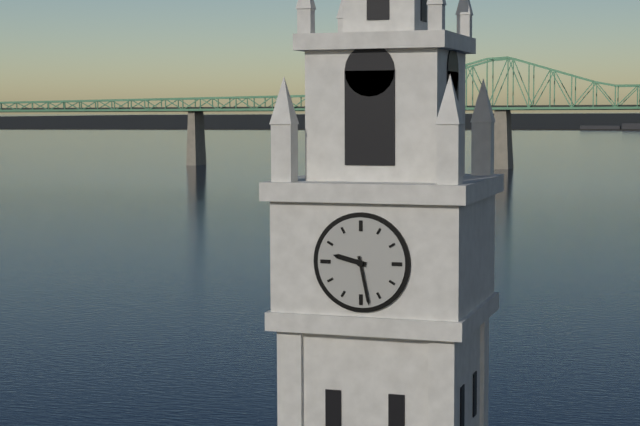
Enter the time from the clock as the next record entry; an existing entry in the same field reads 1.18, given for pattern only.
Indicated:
9.28
